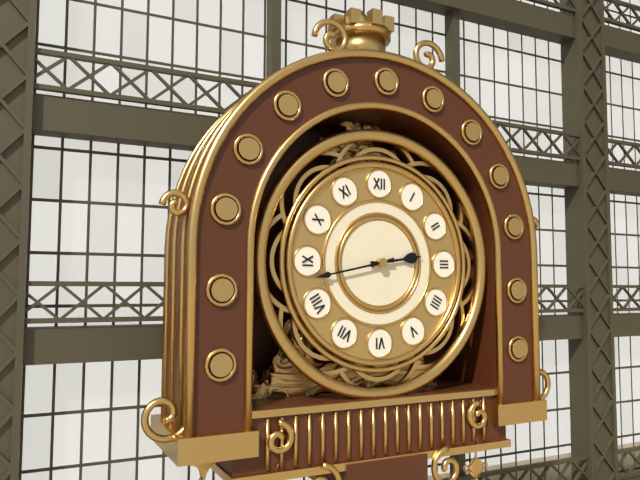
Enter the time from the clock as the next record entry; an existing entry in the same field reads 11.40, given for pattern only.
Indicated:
2.43
